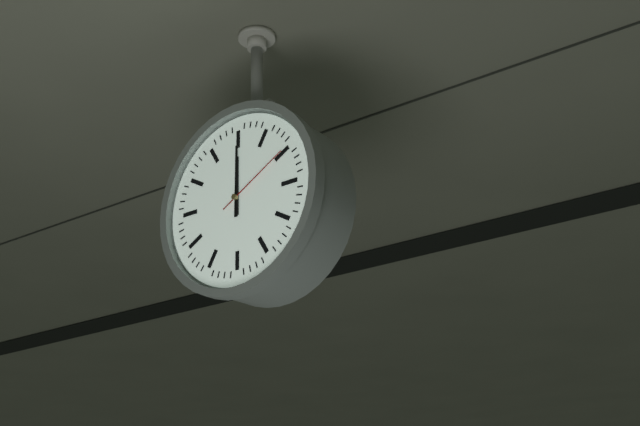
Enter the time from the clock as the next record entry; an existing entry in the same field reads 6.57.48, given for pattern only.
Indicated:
12.00.10
